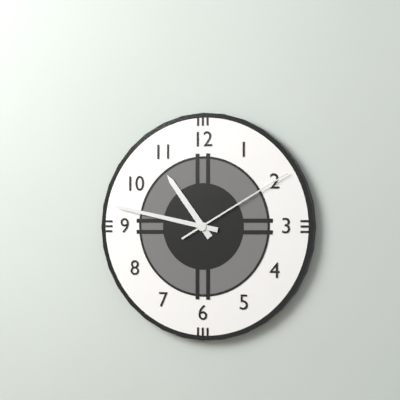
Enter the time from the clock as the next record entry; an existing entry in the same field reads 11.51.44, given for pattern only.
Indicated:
10.47.10
